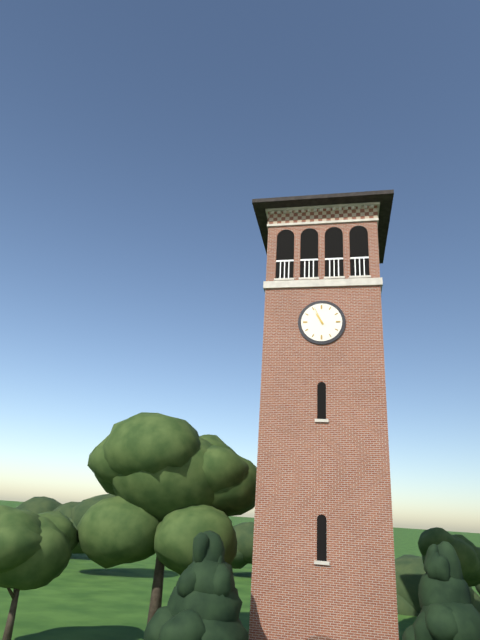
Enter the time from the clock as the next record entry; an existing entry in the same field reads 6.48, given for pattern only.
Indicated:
10.56
